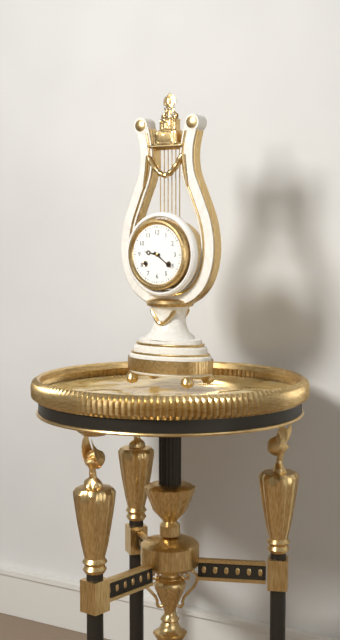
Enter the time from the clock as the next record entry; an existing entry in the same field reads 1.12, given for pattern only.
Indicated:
9.21
